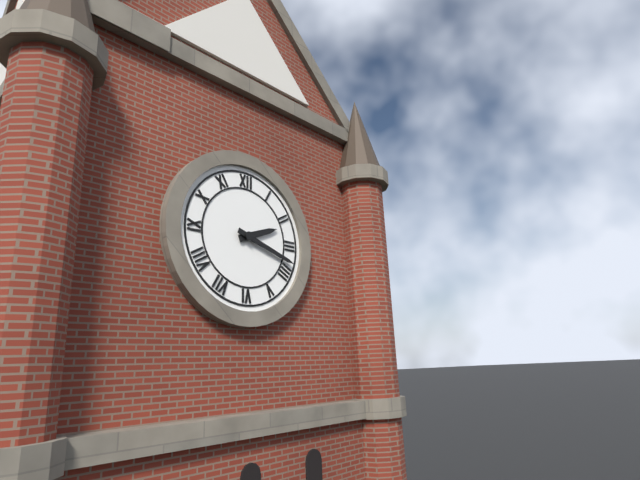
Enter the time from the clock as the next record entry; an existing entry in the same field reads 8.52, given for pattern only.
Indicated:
2.18
